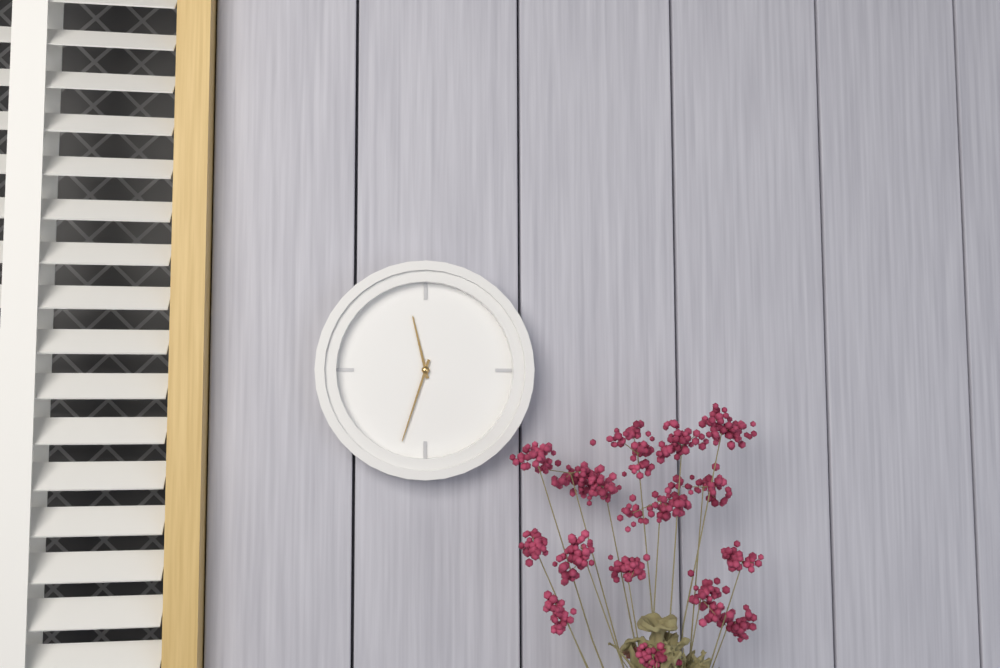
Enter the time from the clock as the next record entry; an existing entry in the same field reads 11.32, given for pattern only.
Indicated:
11.33
